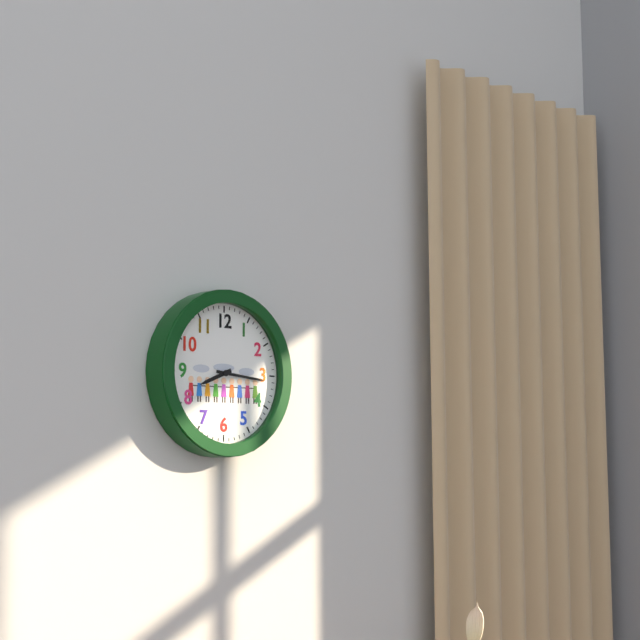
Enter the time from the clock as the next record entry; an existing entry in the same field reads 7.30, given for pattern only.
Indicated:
8.16
